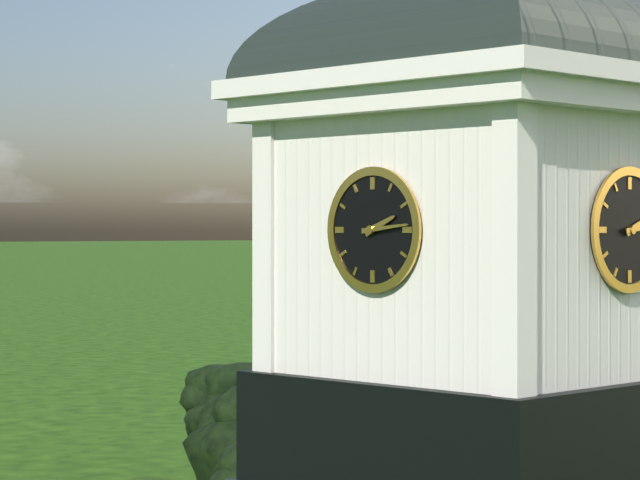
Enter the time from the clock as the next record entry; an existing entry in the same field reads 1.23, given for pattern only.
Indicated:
2.14
